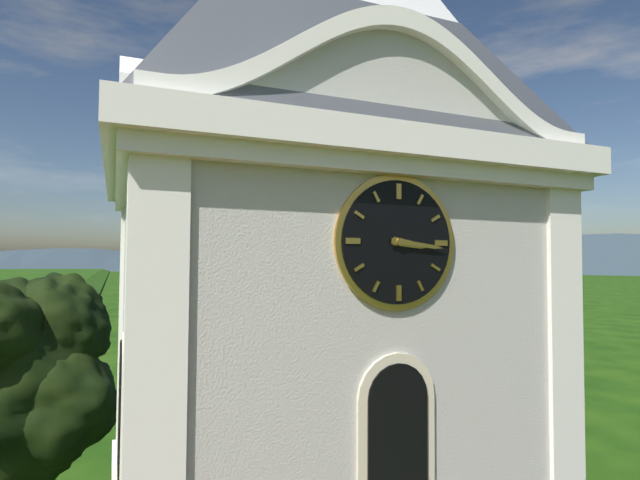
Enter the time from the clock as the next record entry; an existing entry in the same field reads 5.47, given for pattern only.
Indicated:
3.16
